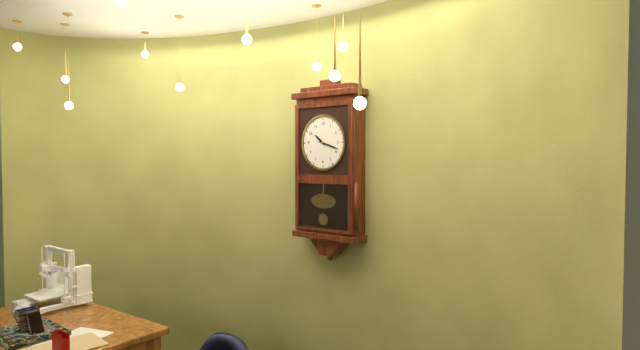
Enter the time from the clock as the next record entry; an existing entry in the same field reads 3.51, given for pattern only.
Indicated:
10.18
